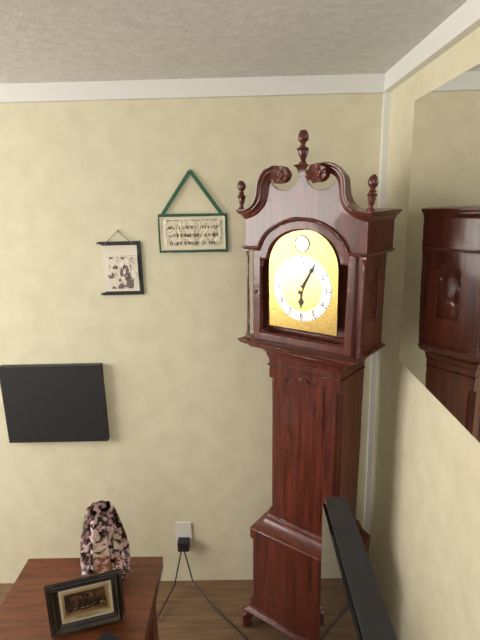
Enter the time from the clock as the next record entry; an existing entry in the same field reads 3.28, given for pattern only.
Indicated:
6.05
